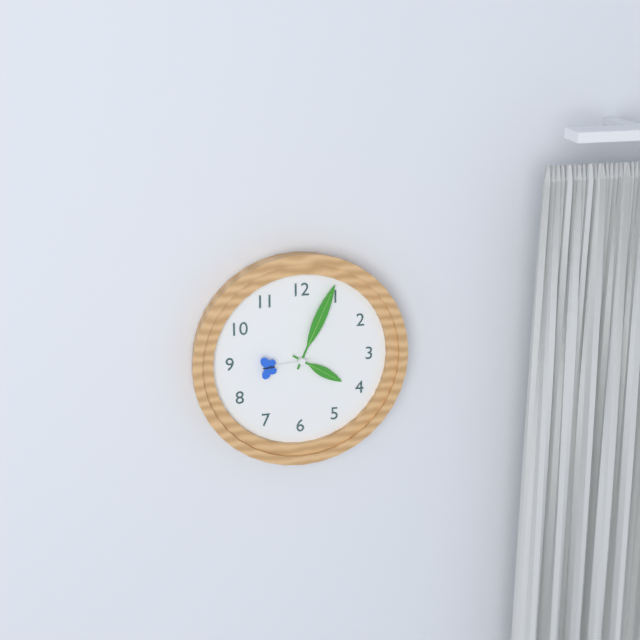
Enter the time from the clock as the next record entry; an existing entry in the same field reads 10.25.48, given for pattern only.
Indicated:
4.04.44
